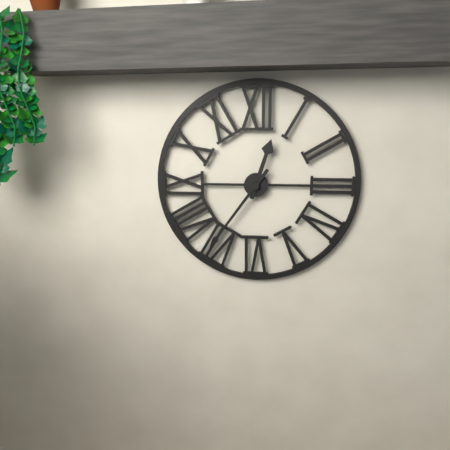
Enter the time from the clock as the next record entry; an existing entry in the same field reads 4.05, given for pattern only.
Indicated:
12.36
